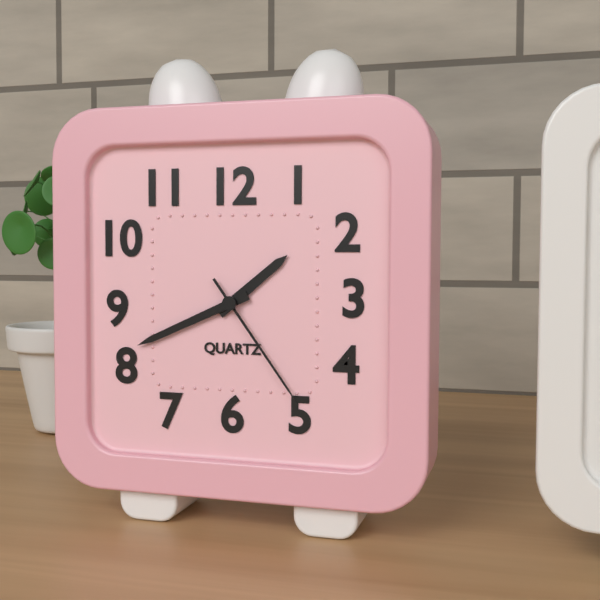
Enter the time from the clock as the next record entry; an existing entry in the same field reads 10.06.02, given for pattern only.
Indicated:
1.41.24
